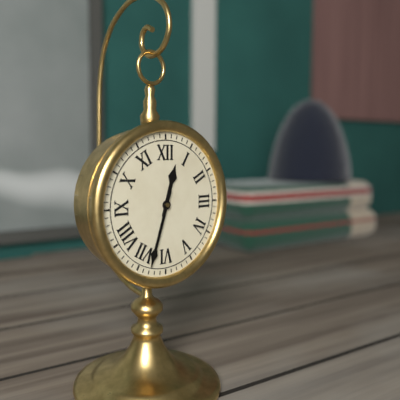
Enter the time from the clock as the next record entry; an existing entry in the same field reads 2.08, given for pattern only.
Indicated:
12.33
